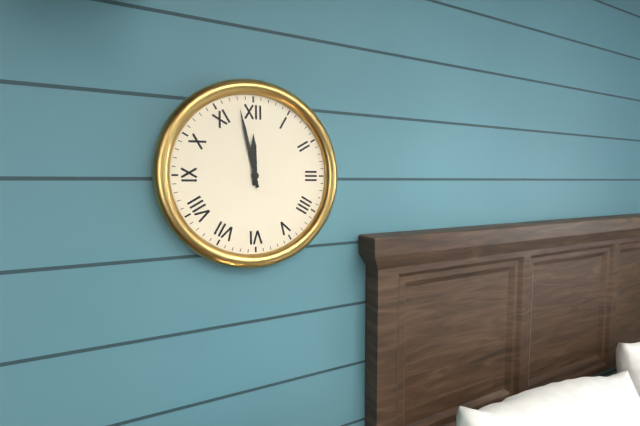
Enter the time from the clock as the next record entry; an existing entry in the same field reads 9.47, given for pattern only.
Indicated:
11.58
